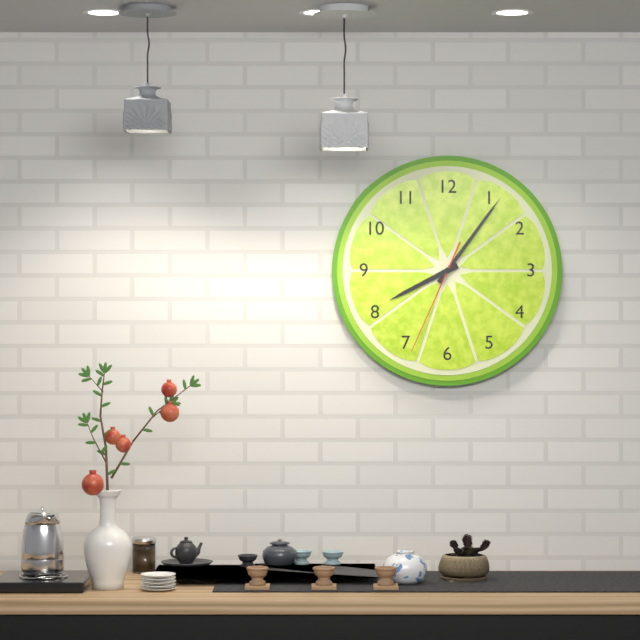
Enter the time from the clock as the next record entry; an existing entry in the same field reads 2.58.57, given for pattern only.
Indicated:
8.06.34
